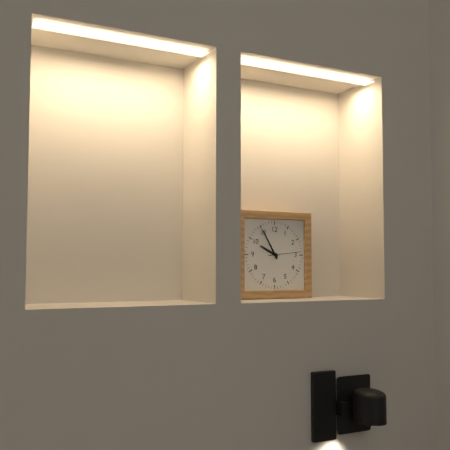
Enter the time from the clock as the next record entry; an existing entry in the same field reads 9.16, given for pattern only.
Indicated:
9.55
